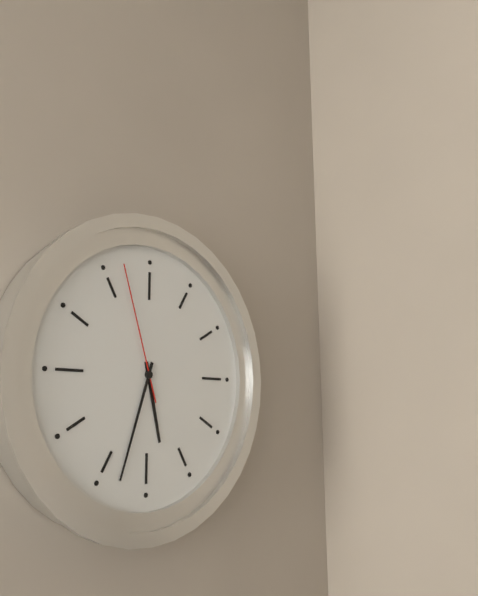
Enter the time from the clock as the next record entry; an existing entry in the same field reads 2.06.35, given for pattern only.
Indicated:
5.33.57
